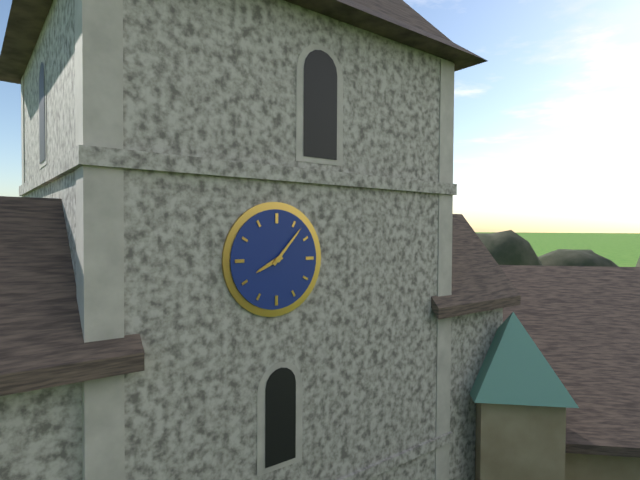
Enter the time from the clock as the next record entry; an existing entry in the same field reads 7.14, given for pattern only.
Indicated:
8.07
